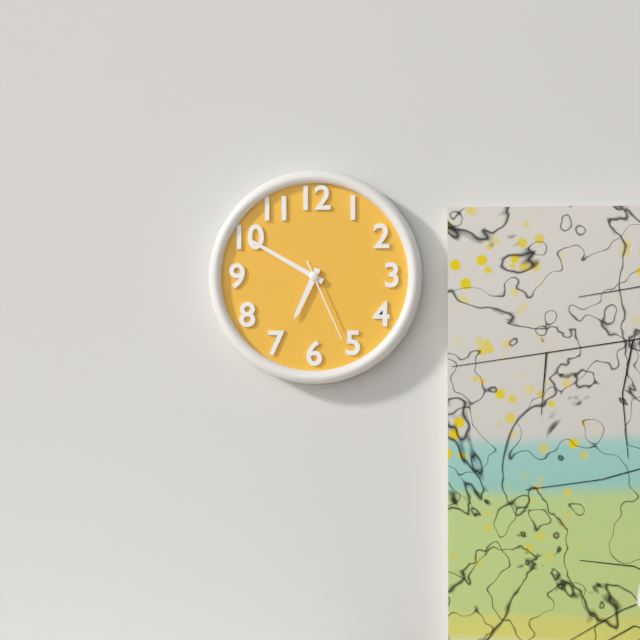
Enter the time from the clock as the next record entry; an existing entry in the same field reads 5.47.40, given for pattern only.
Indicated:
6.50.26
